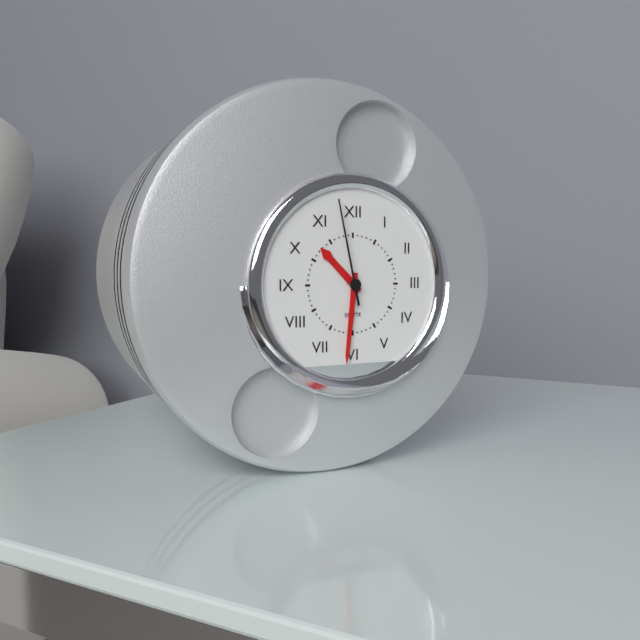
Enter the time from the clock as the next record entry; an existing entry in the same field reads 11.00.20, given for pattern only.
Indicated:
10.31.58
